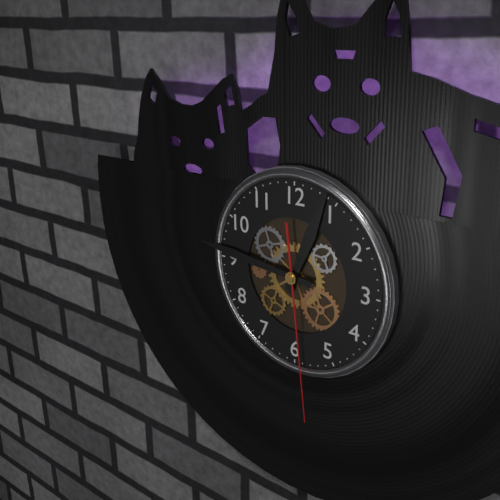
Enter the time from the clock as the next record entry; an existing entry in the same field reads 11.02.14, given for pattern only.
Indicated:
12.46.29
